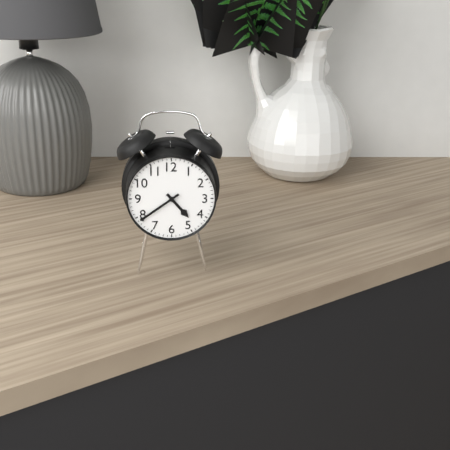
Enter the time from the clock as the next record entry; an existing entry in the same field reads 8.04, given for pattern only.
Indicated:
4.39
